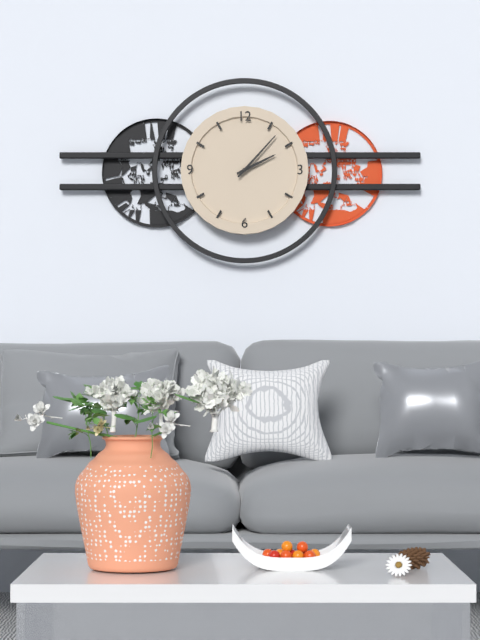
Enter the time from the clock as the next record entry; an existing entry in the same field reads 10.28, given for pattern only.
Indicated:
2.07
